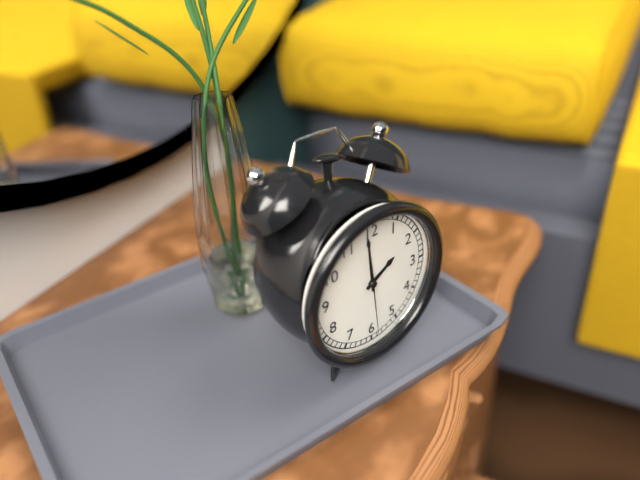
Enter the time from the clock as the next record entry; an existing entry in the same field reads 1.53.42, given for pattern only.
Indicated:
1.59.29
